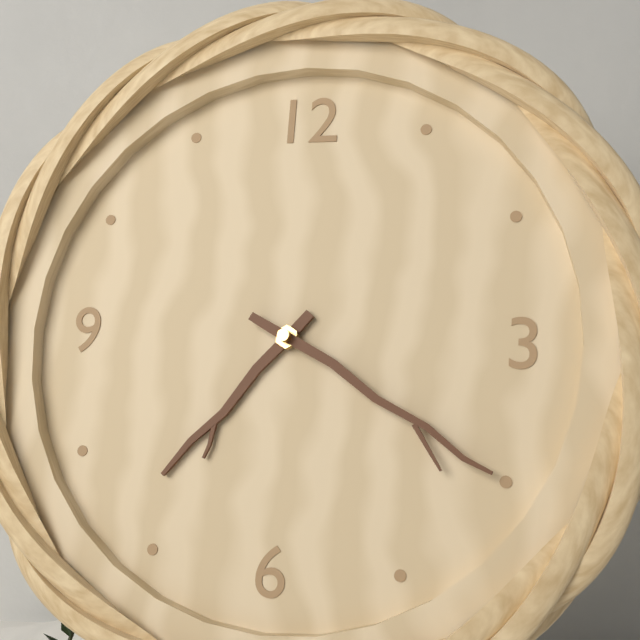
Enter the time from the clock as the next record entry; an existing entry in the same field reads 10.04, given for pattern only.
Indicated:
7.20
